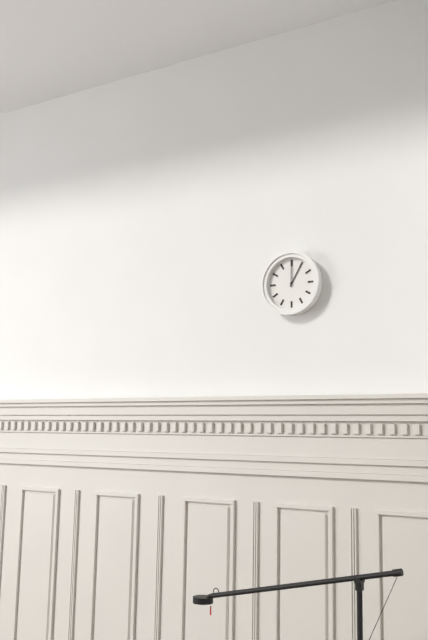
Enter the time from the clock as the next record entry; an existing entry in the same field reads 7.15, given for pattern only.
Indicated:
1.00
